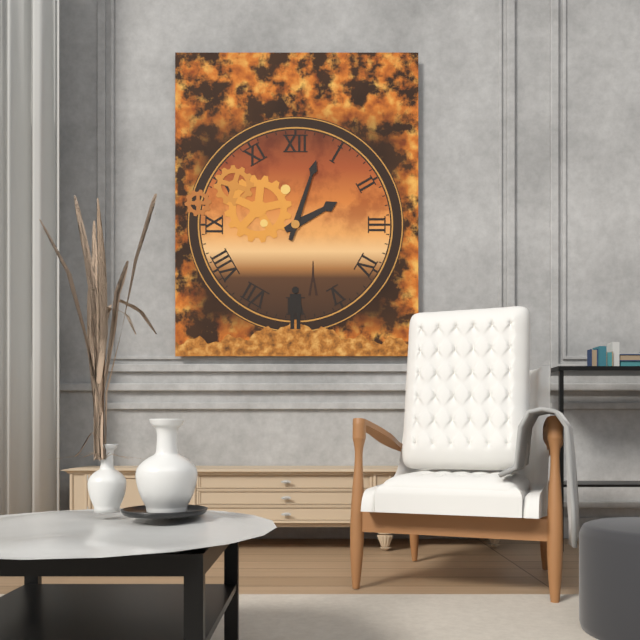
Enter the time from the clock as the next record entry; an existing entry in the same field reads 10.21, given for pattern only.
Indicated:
2.03
